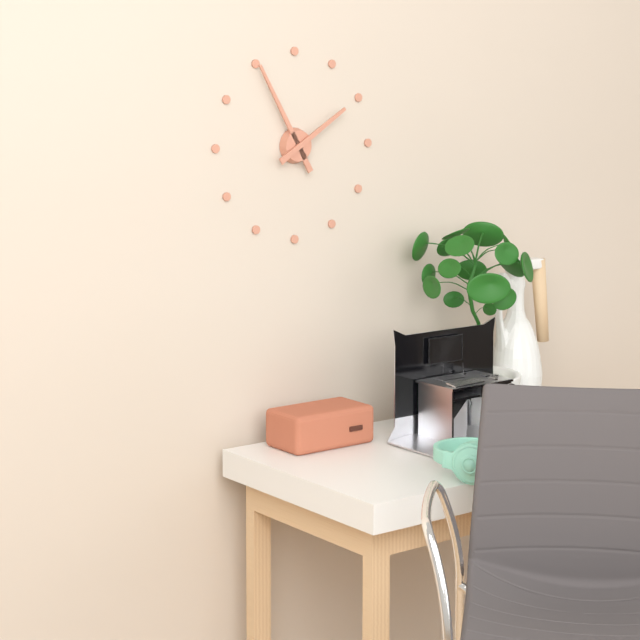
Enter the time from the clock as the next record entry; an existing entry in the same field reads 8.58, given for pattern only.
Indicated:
1.55
